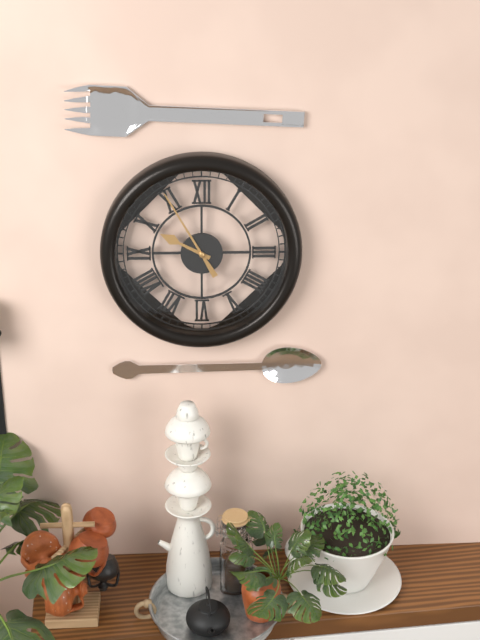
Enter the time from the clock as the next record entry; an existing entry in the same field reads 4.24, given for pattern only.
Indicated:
9.55
